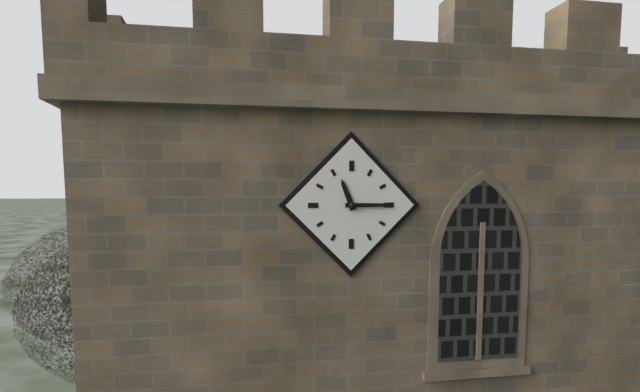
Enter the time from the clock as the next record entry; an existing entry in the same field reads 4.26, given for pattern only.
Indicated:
11.15
